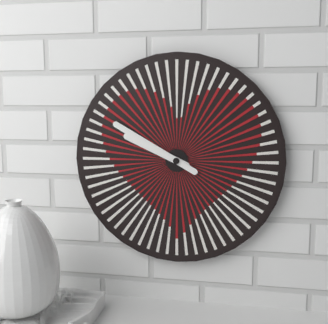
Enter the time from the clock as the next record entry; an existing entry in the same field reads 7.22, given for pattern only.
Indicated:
9.50
